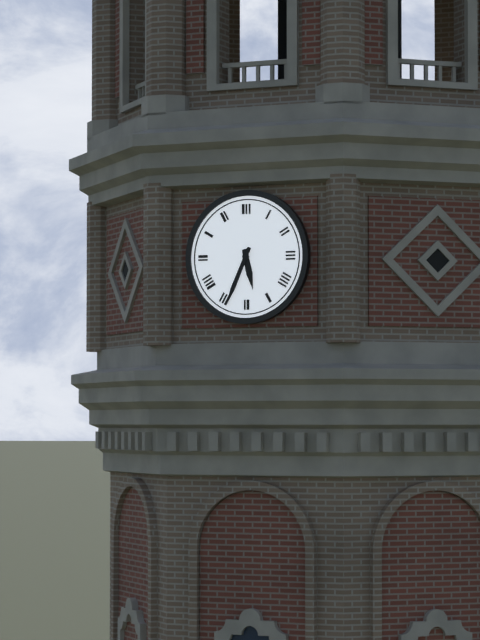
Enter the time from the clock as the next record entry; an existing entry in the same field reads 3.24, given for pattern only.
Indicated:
5.34
